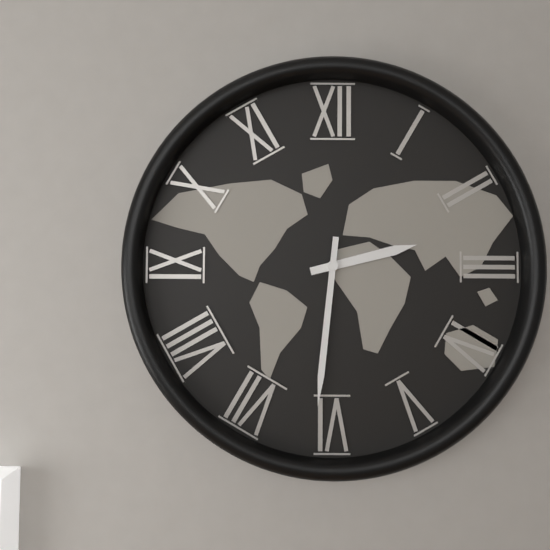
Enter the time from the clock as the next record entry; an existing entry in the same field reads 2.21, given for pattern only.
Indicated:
2.31
